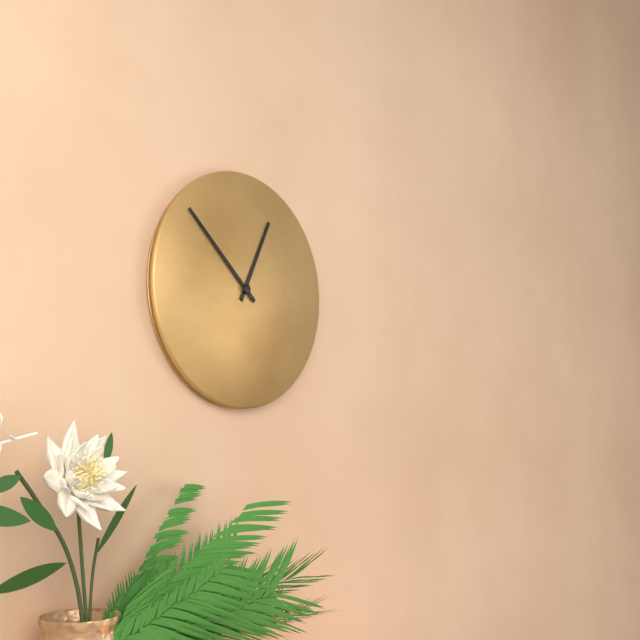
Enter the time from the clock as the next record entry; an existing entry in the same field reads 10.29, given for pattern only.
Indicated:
12.52
